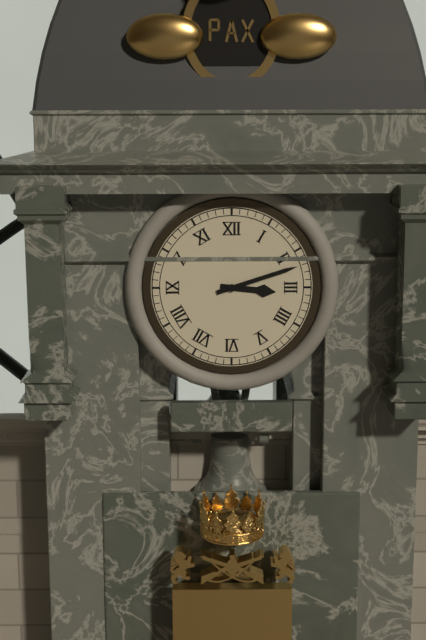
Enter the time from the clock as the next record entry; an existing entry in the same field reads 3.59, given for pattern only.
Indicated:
3.12
